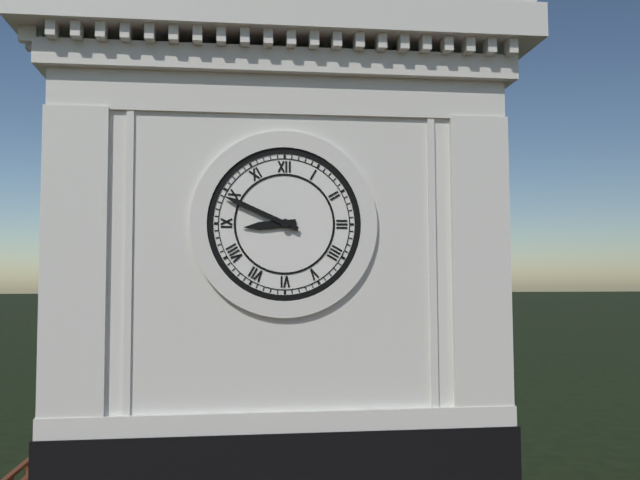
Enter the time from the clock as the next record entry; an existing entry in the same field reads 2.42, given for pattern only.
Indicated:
8.49
